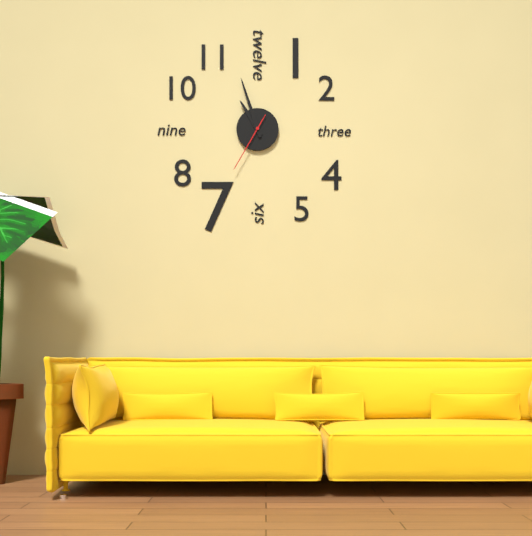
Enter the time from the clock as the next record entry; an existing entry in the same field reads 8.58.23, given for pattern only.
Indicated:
10.57.35
